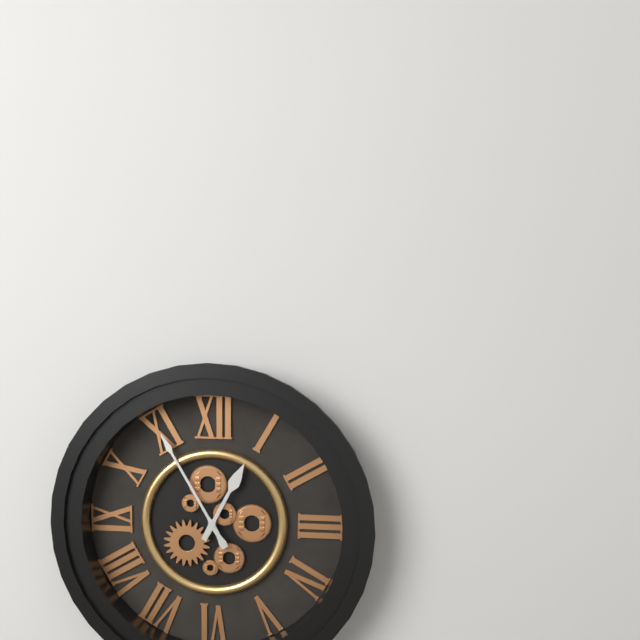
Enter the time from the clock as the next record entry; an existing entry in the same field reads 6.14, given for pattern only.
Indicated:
12.55
